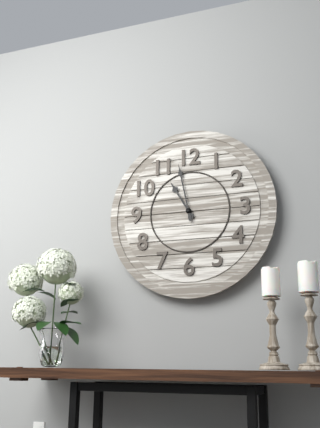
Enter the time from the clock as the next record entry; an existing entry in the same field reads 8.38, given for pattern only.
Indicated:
10.58
